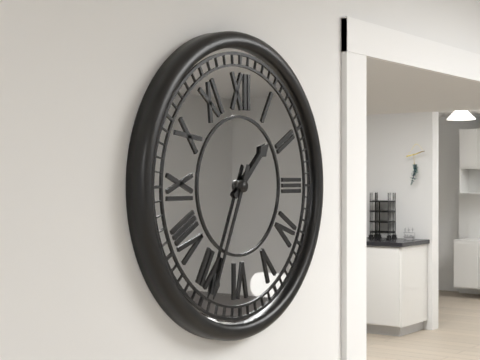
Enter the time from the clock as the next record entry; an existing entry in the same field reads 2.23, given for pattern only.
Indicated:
1.34
